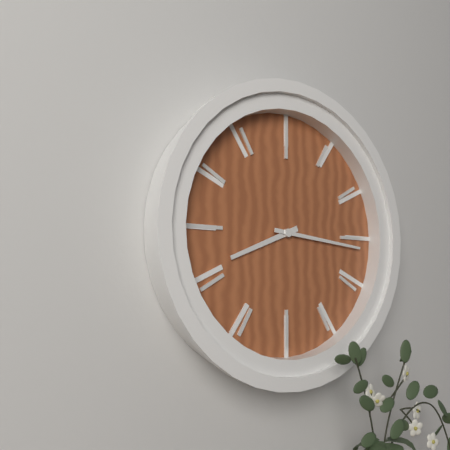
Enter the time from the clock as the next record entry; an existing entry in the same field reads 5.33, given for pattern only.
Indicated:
8.16
